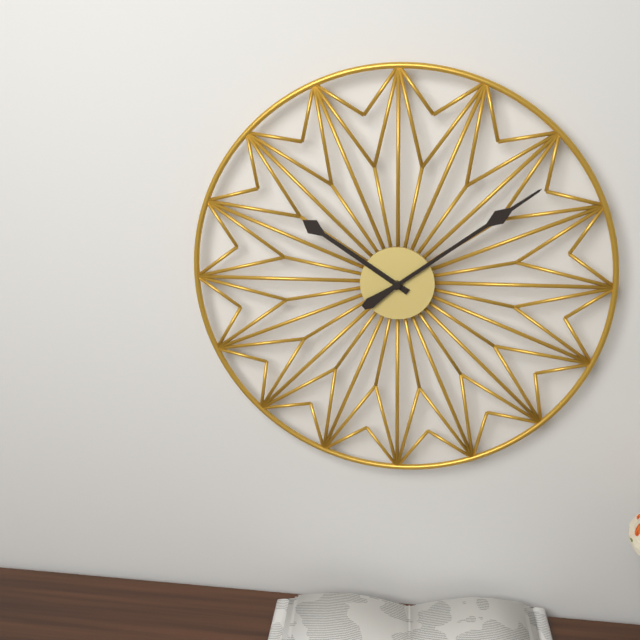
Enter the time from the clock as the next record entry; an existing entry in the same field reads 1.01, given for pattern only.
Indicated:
10.09
